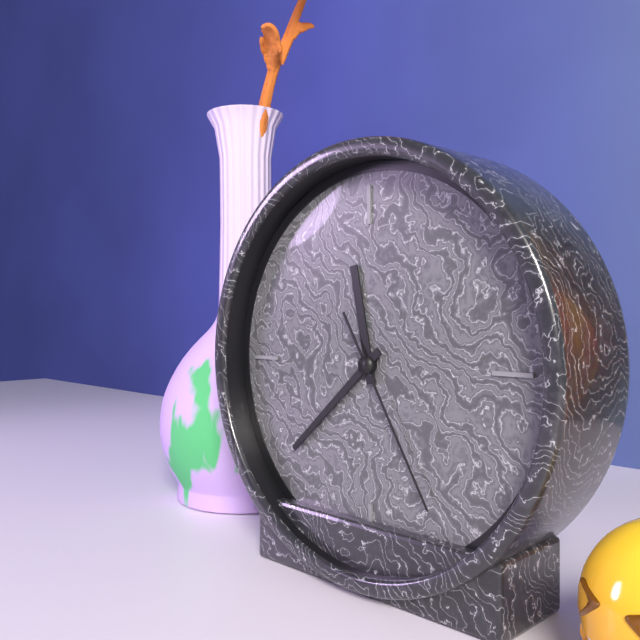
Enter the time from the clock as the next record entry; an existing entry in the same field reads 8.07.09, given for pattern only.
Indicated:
11.38.25
